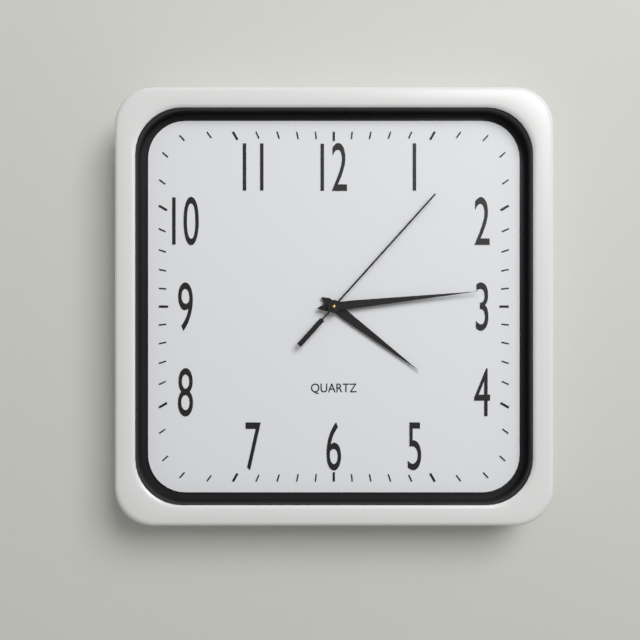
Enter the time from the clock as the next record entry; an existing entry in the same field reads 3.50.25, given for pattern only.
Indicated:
4.14.07
